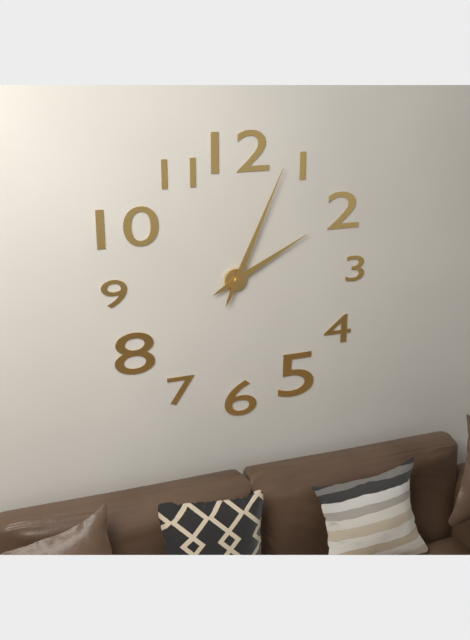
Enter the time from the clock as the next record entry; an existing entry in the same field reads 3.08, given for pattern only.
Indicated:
2.04
